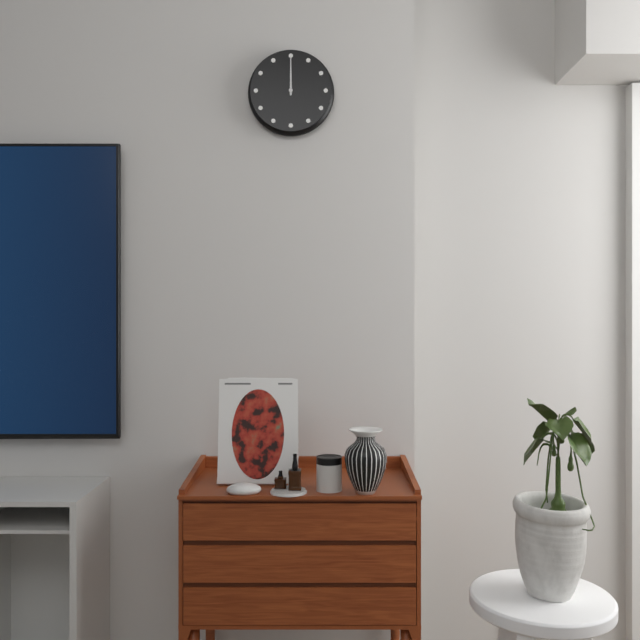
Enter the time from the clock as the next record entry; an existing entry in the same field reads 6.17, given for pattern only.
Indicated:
12.00
